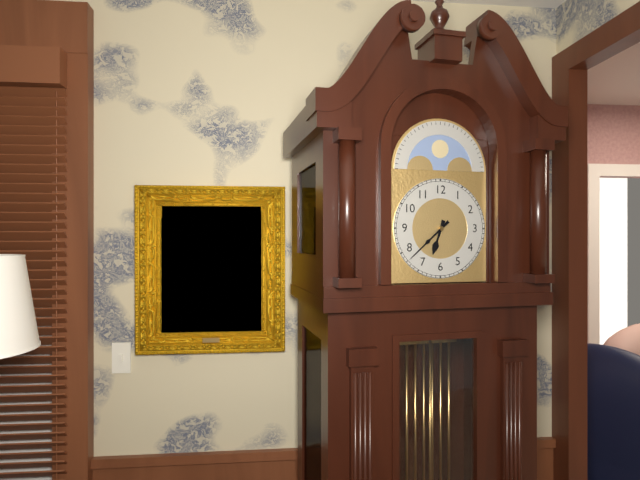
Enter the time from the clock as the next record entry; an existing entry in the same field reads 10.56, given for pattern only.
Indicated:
6.38
